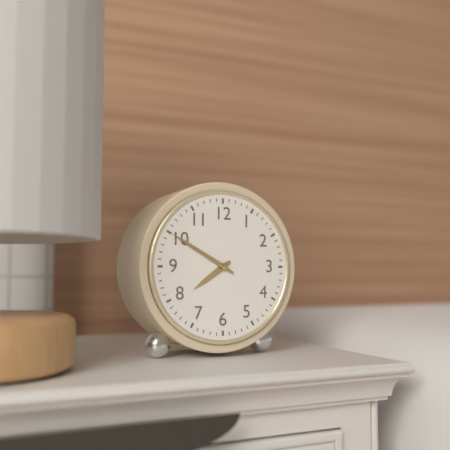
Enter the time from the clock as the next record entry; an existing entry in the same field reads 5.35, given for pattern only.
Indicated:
7.50
